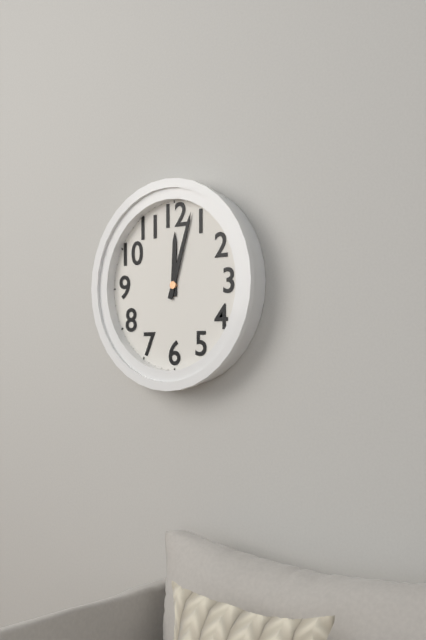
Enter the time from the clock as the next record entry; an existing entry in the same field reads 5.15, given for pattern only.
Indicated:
12.03
